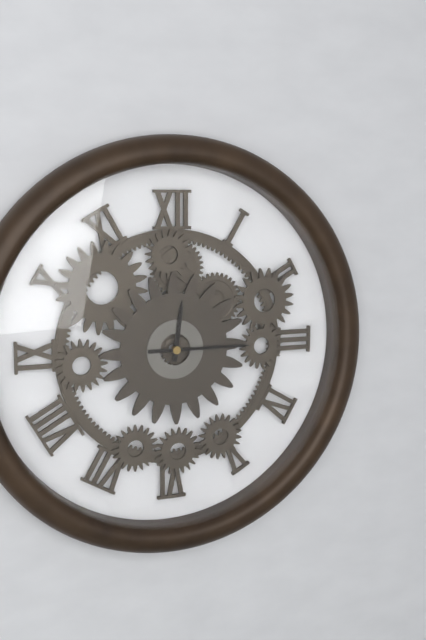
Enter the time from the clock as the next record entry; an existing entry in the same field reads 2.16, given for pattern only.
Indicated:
12.15
